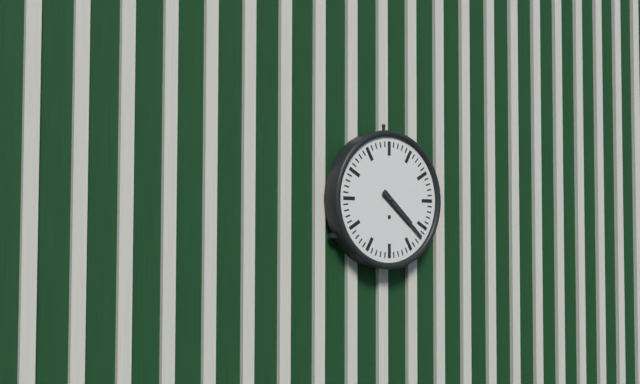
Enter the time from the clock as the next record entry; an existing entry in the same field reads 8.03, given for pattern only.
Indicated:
4.22
